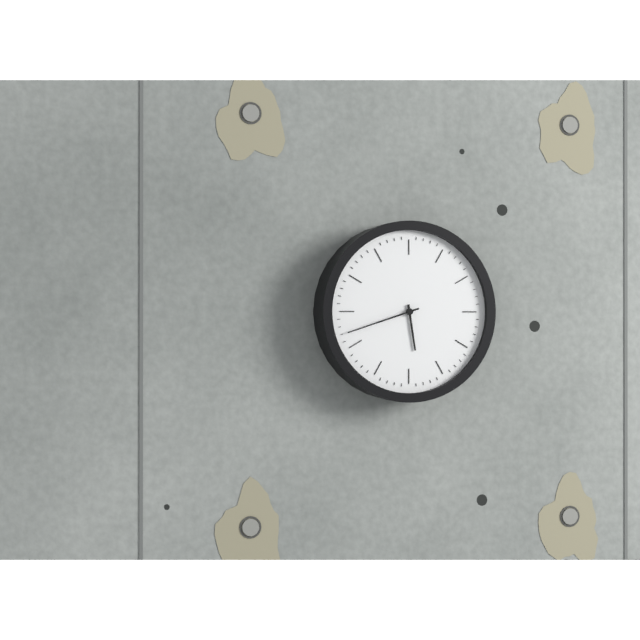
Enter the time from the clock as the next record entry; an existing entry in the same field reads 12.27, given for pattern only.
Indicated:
5.42
